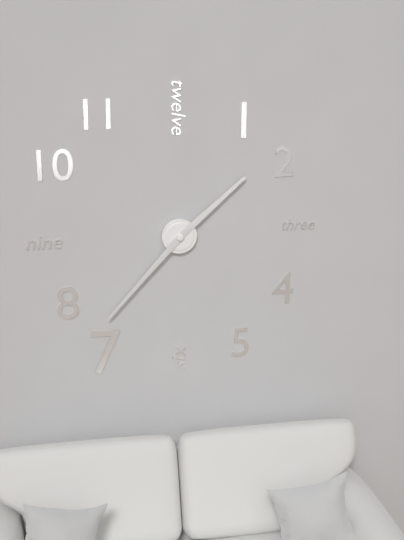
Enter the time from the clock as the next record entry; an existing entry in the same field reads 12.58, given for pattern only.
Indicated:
1.37
